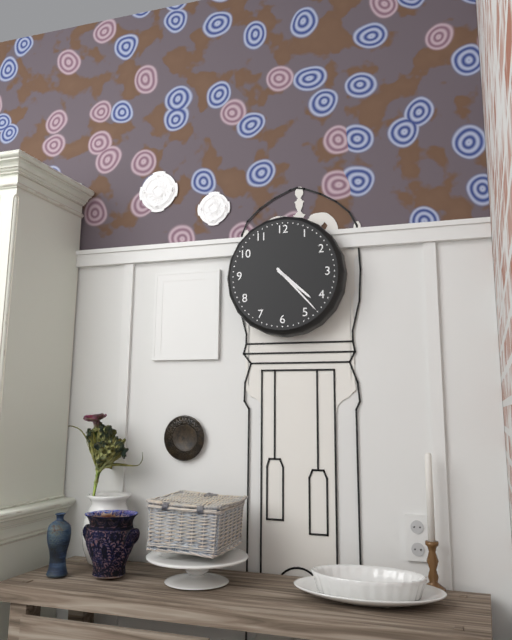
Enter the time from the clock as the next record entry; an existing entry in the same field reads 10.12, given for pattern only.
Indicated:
4.23
